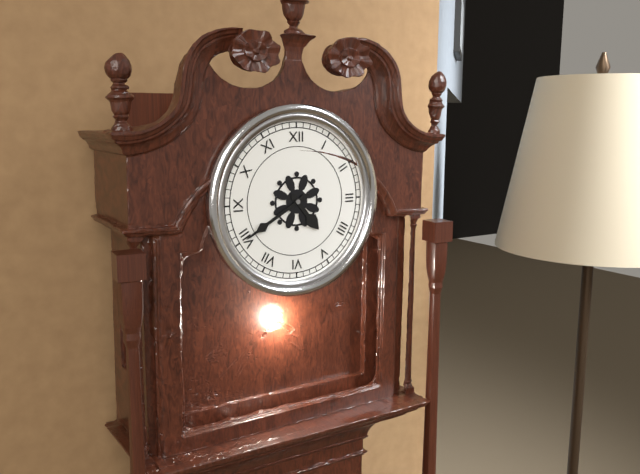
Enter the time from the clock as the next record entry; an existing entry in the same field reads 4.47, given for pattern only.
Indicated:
4.40
